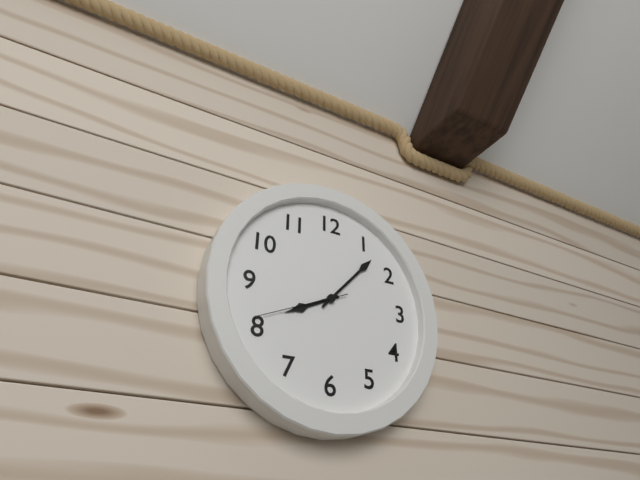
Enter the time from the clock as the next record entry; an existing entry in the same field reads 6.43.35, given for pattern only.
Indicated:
8.07.41
